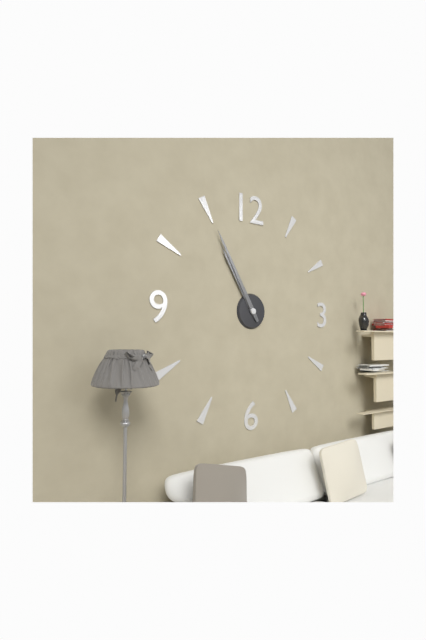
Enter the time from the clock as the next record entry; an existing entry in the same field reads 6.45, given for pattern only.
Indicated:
10.55
